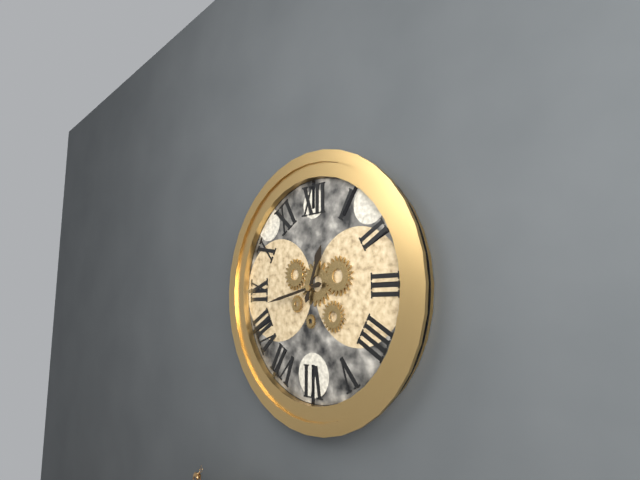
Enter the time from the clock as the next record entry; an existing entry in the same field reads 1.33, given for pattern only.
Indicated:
12.43
